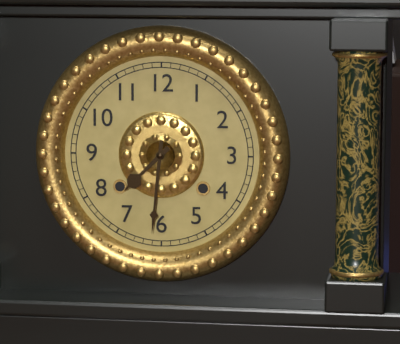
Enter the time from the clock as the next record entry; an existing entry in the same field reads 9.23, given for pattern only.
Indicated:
7.31
